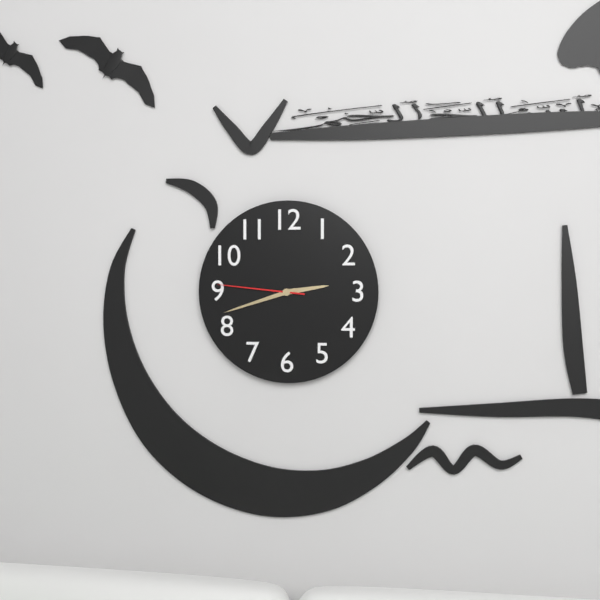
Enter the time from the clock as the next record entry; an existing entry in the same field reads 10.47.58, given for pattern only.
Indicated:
2.42.46
